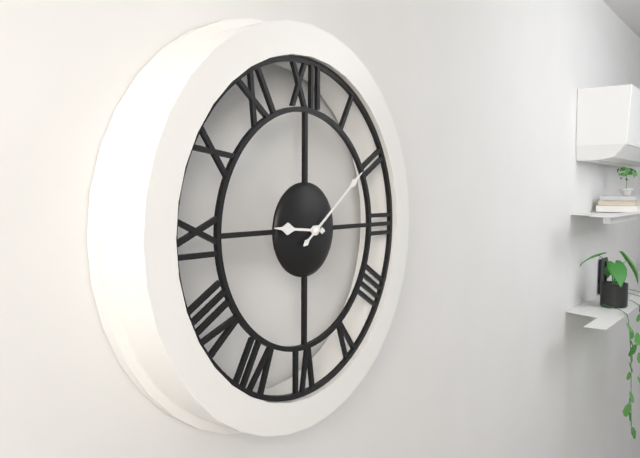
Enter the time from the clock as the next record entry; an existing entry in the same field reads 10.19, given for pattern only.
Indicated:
9.09
